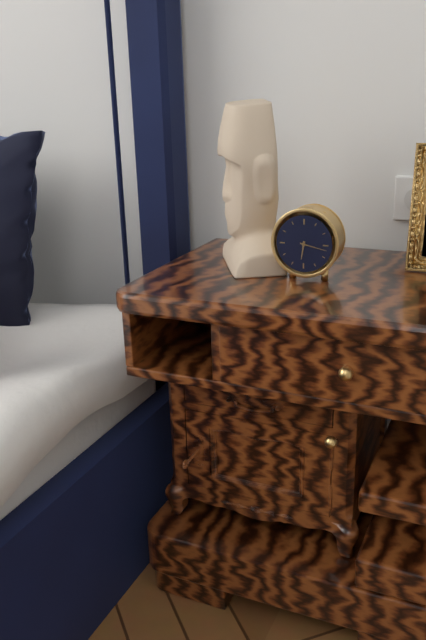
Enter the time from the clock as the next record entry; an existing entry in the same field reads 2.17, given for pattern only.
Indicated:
6.17
